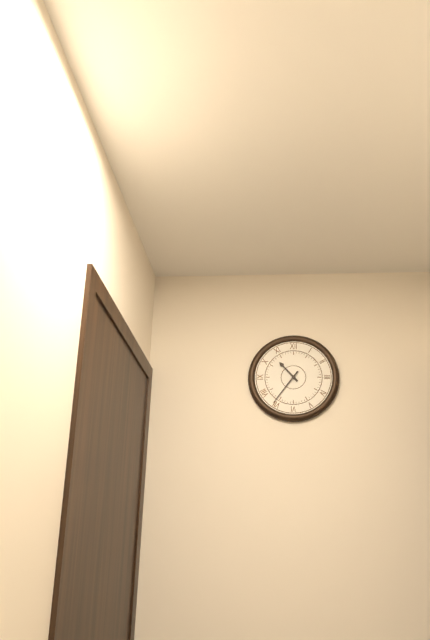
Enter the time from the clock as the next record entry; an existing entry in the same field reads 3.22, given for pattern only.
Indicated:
10.36
